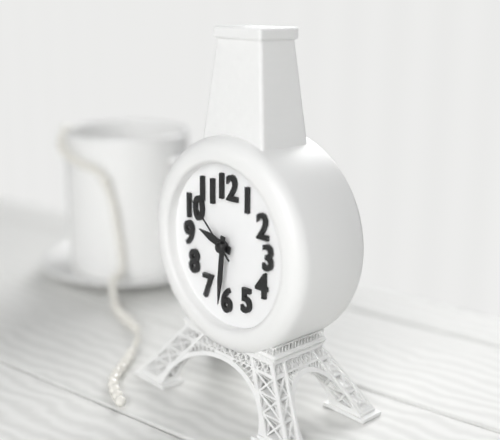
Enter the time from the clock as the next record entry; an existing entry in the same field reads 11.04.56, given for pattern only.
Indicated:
9.31.52
